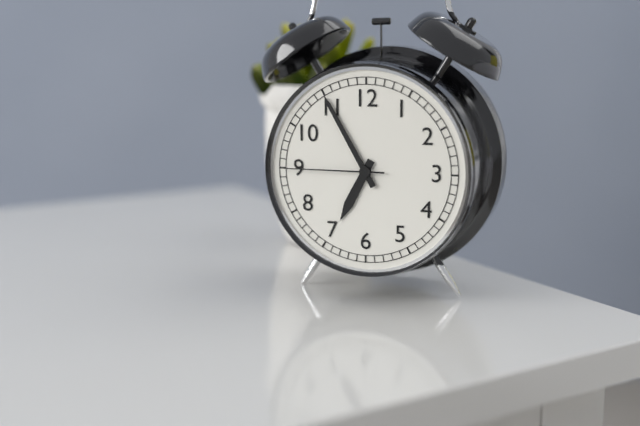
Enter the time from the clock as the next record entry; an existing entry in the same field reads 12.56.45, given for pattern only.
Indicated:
6.55.45
